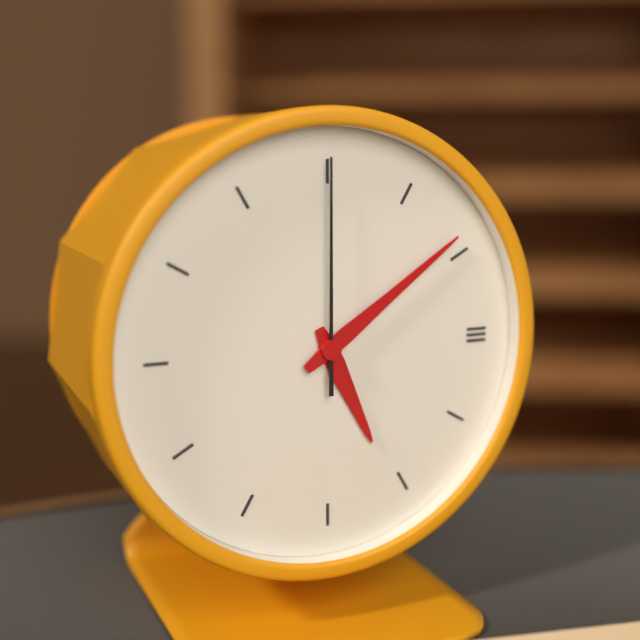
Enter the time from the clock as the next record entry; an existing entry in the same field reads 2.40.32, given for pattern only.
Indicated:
5.09.00
